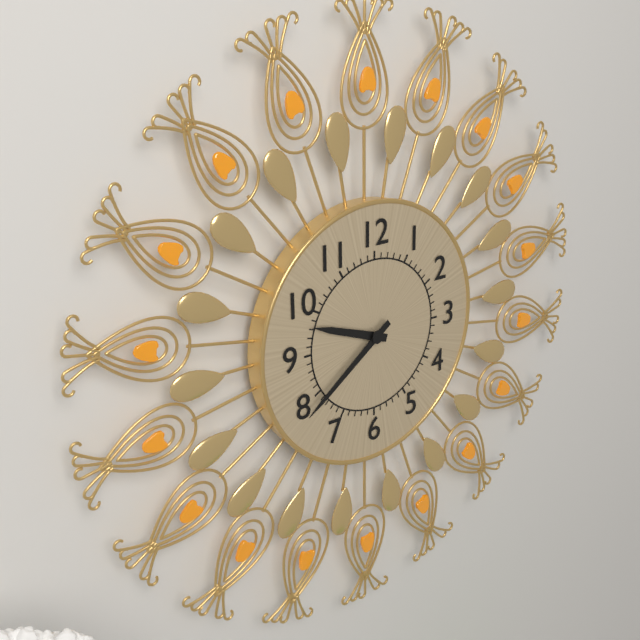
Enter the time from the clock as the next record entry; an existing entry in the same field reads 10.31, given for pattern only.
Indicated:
9.39
